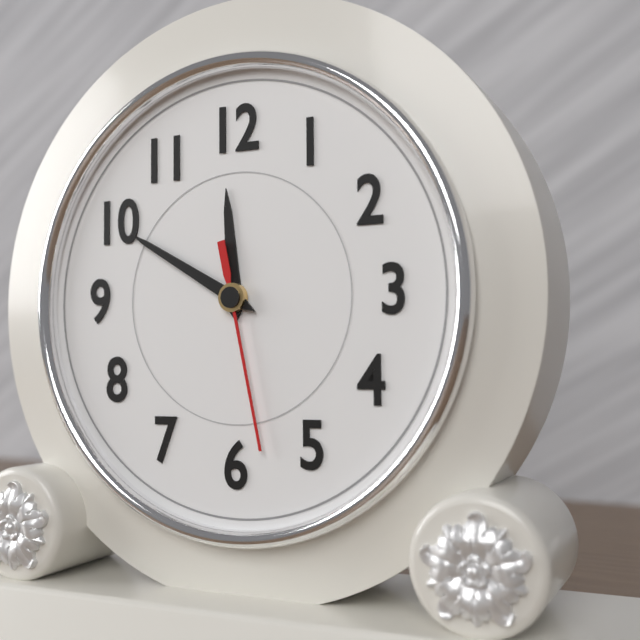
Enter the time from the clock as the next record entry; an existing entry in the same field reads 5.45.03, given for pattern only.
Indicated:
11.50.28
